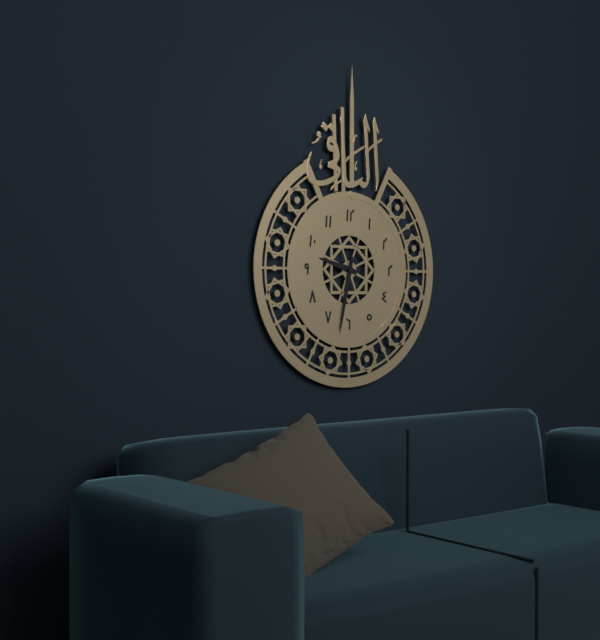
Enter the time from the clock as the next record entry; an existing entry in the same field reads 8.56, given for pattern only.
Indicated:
9.32
